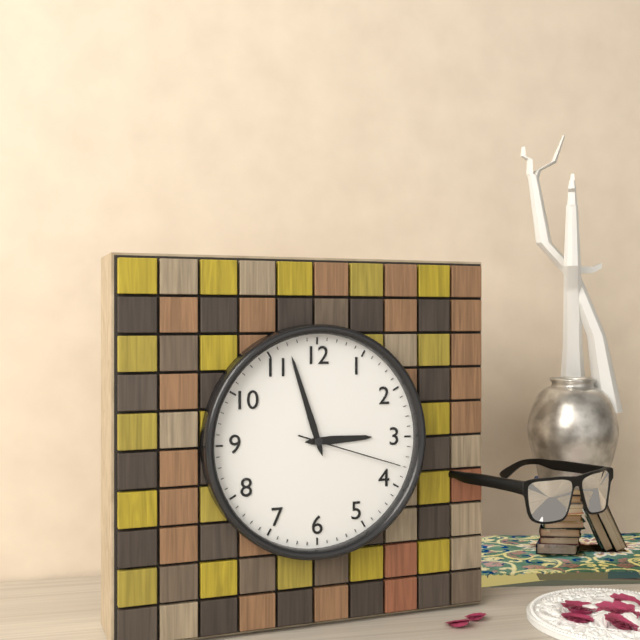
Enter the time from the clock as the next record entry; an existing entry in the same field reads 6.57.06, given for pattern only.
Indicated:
2.57.18
